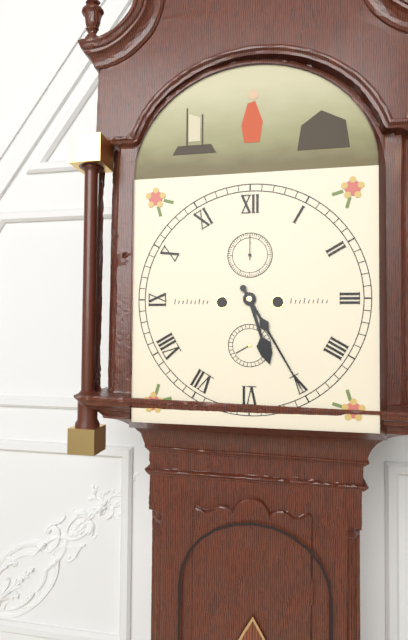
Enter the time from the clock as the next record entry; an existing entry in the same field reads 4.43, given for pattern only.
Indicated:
5.25
